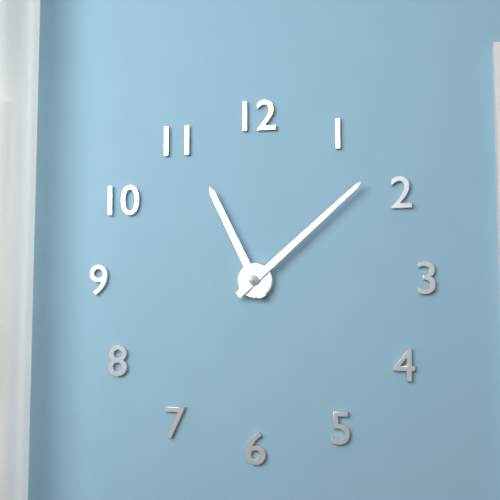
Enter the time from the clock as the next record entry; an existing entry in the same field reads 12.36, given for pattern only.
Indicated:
11.08
